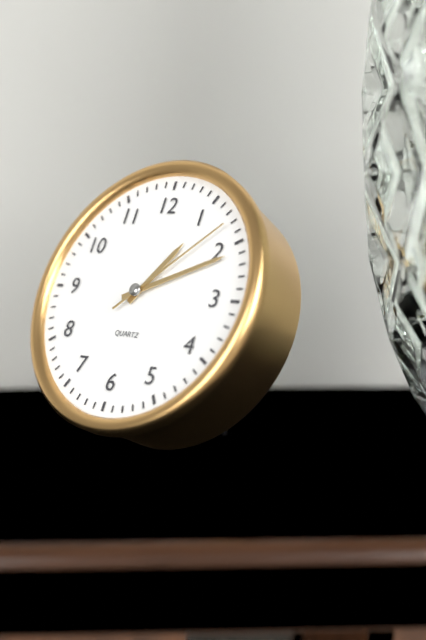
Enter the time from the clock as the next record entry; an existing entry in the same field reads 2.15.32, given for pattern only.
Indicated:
1.11.08
